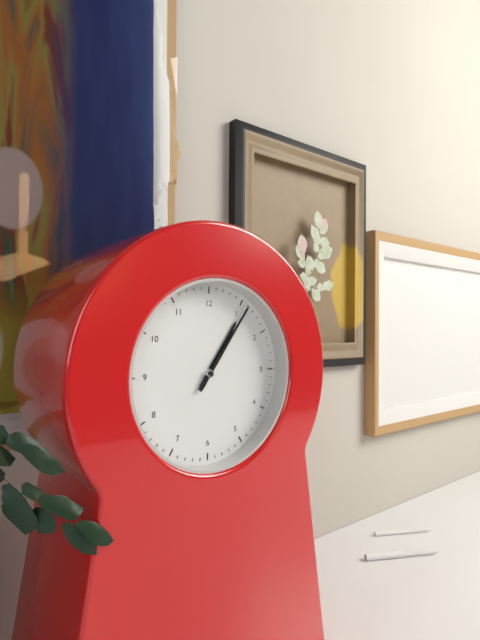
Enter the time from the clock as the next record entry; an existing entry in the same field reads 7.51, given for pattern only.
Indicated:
1.06
